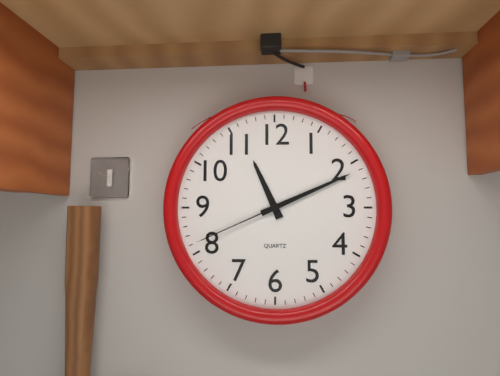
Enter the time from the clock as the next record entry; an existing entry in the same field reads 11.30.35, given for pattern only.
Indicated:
11.11.41
